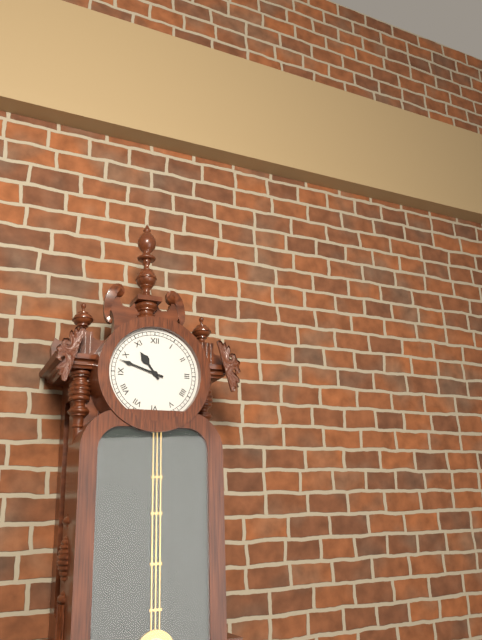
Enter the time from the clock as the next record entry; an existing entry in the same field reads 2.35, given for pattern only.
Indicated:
10.48
